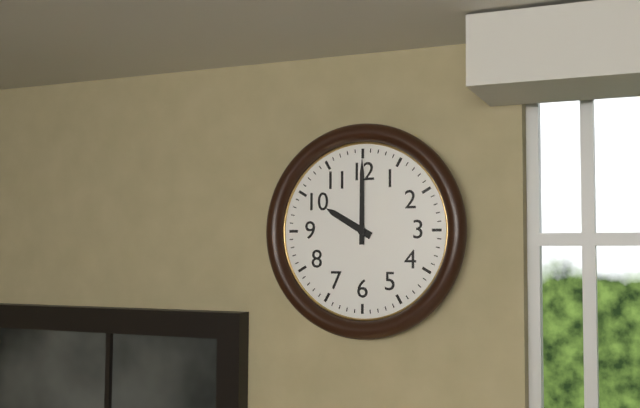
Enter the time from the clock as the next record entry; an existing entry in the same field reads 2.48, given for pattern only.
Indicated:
10.00
